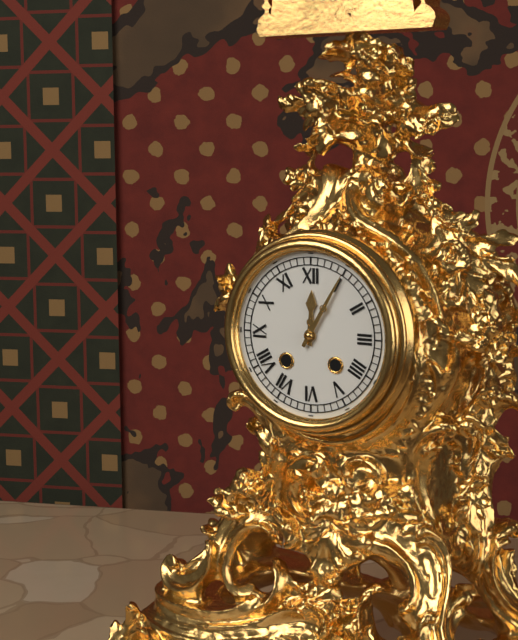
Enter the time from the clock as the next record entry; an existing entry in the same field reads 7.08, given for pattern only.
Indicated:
12.05
